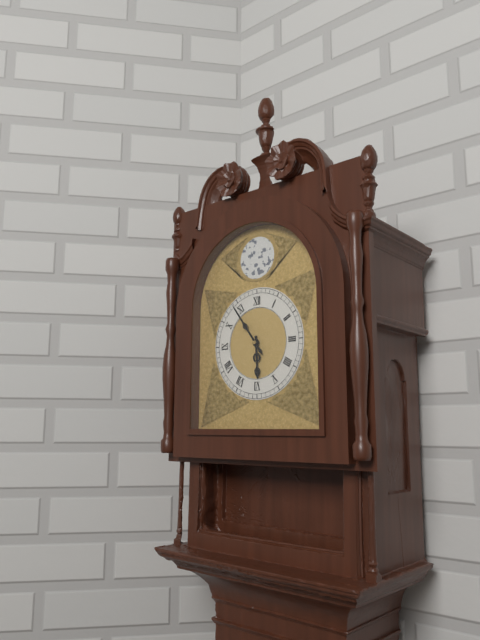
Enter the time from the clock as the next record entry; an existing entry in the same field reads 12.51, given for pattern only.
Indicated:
5.54
